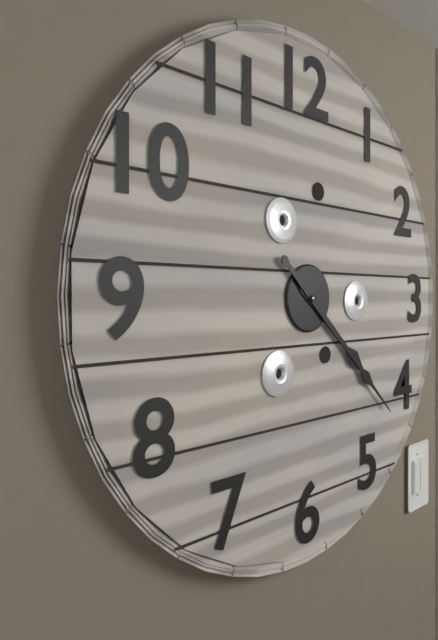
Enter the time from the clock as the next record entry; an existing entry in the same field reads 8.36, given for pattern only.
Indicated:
4.22
